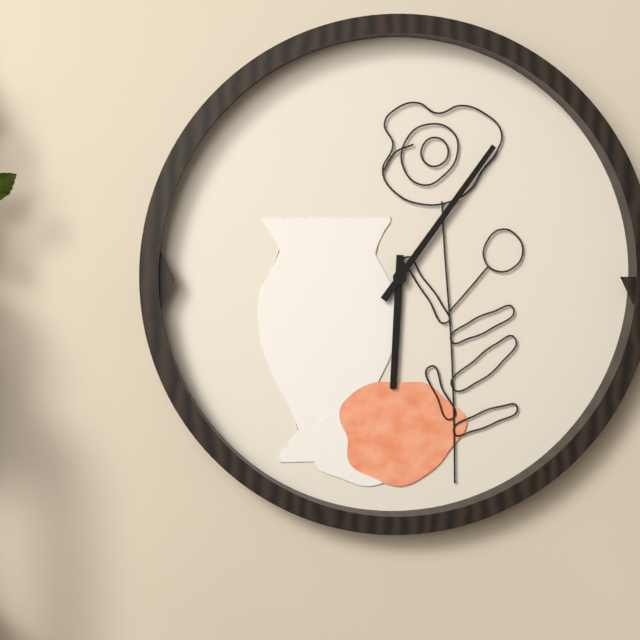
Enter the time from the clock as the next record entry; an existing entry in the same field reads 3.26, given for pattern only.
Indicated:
6.06
